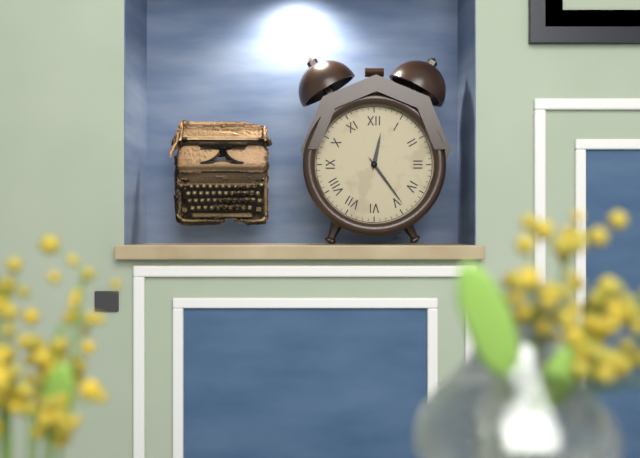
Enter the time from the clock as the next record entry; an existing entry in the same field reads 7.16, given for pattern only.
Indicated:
12.24
